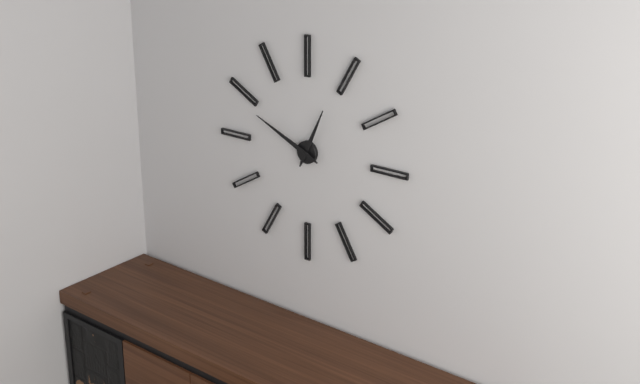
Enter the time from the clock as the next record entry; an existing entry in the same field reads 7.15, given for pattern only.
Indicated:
12.49
